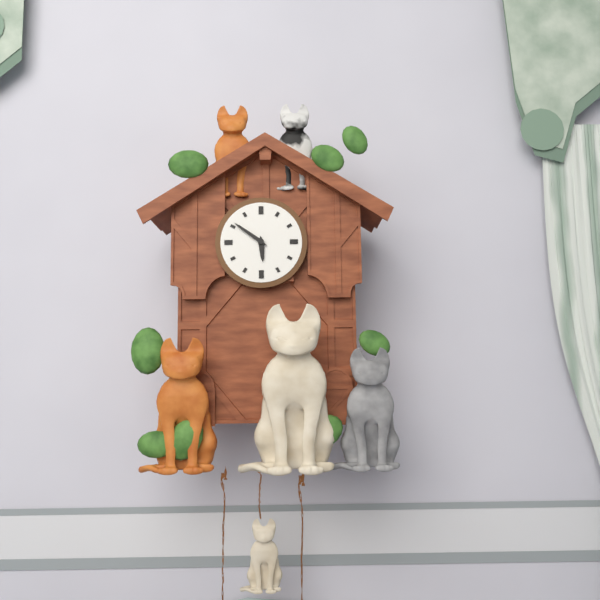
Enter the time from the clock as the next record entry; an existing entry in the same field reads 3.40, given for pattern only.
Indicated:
5.51
